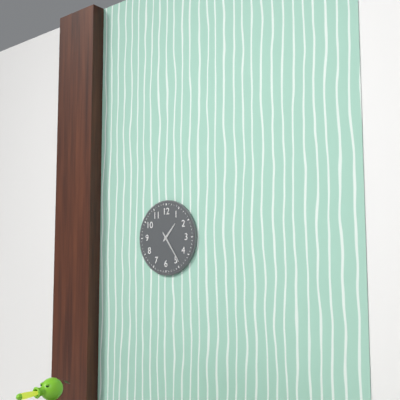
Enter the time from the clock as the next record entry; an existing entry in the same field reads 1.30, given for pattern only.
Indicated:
1.24
